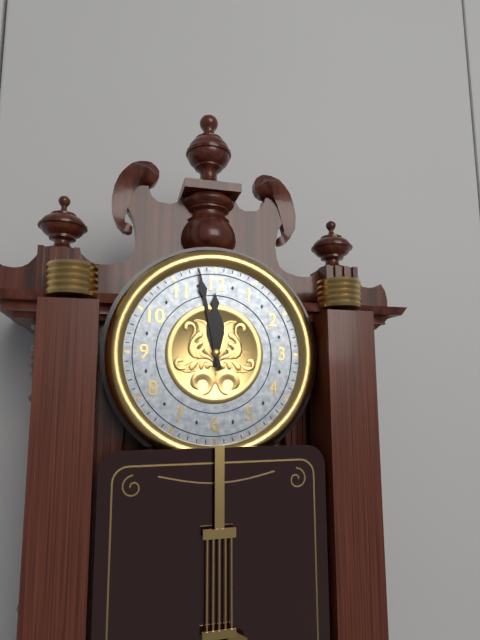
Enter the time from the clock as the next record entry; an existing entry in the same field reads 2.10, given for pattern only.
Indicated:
11.58
